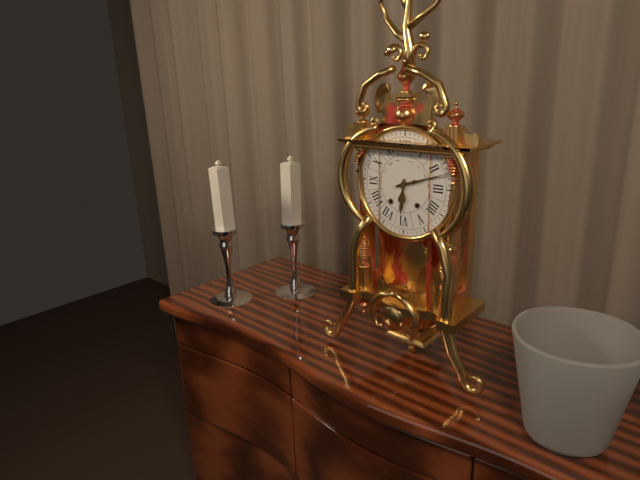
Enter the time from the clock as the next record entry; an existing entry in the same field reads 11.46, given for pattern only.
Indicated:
6.12
